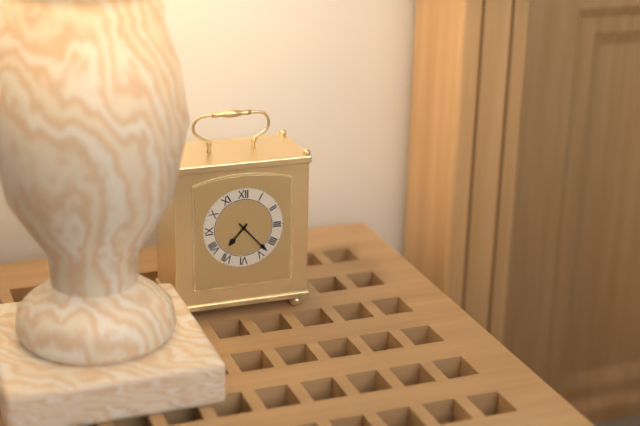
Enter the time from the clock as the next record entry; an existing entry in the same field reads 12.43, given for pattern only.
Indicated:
7.23
